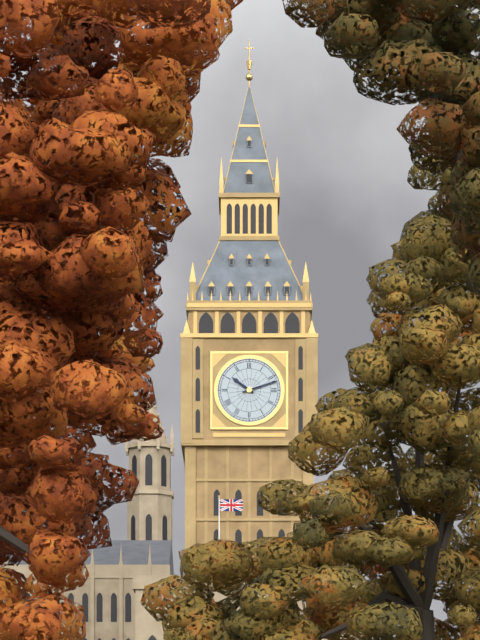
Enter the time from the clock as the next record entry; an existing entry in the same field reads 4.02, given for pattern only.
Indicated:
10.12
